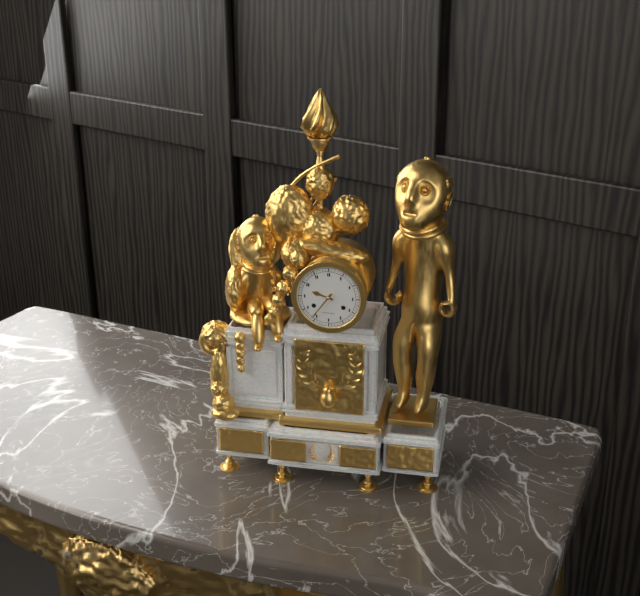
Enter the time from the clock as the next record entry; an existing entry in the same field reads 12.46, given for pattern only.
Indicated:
9.36
